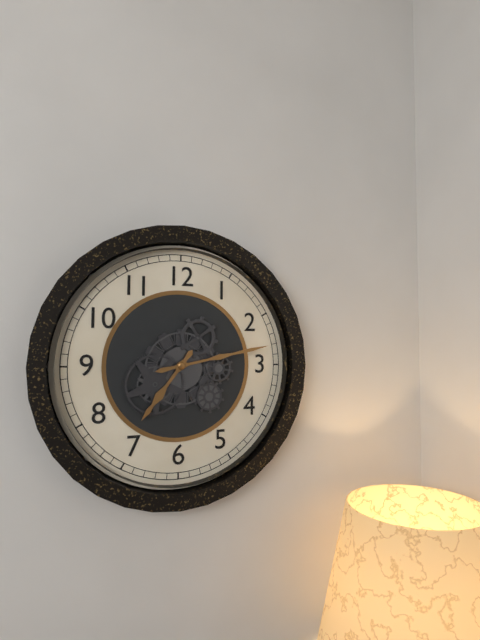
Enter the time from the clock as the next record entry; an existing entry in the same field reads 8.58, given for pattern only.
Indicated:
7.13
